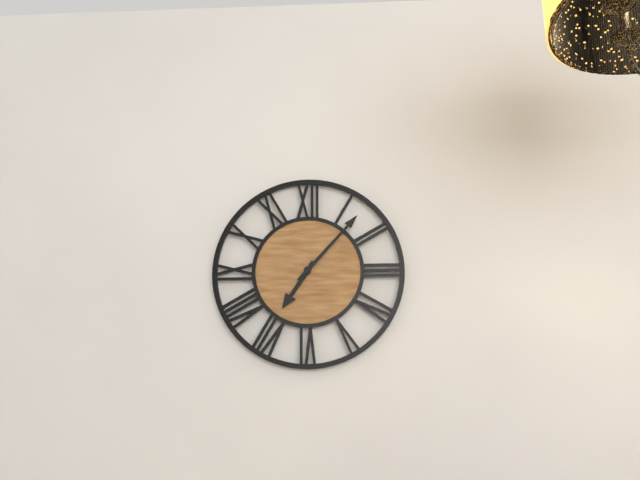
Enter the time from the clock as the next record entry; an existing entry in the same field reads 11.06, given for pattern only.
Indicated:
7.07
